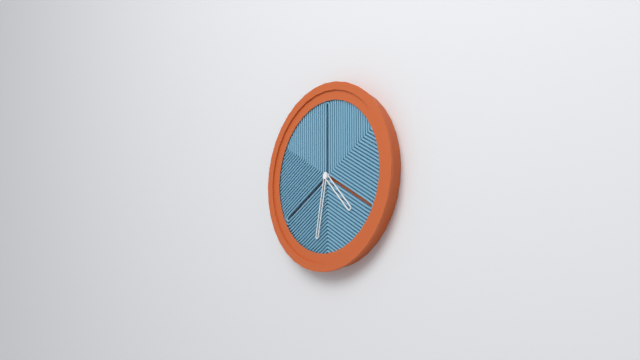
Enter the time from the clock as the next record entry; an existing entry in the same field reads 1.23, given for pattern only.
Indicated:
4.32
